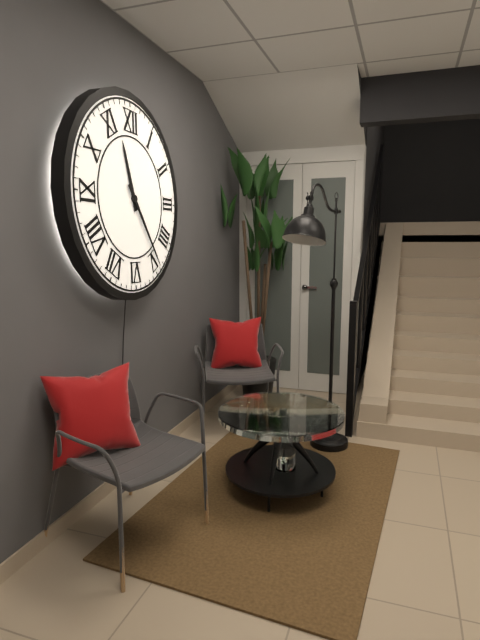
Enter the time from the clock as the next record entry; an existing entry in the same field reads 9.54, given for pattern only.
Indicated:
11.24
